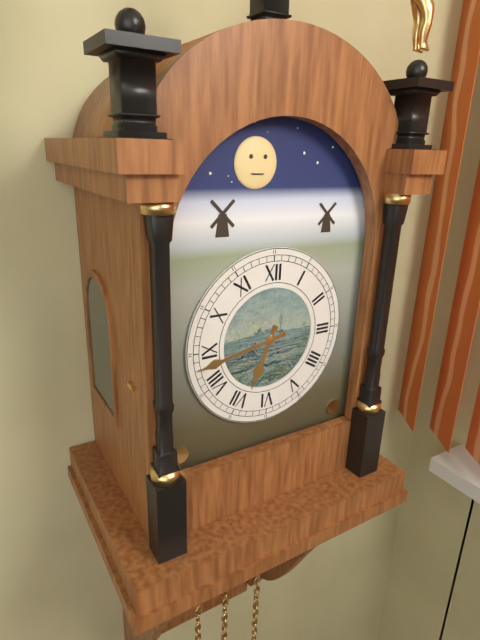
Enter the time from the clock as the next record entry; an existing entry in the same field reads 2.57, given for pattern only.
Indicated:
6.43
